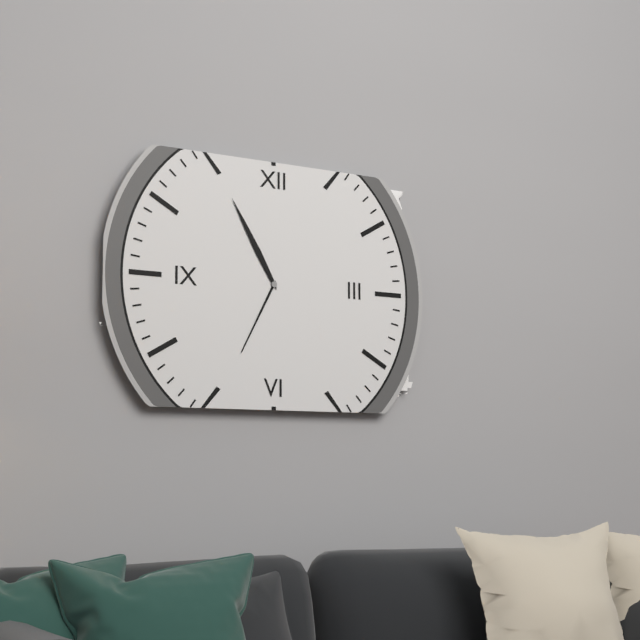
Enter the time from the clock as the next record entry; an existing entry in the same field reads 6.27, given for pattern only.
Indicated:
6.55
